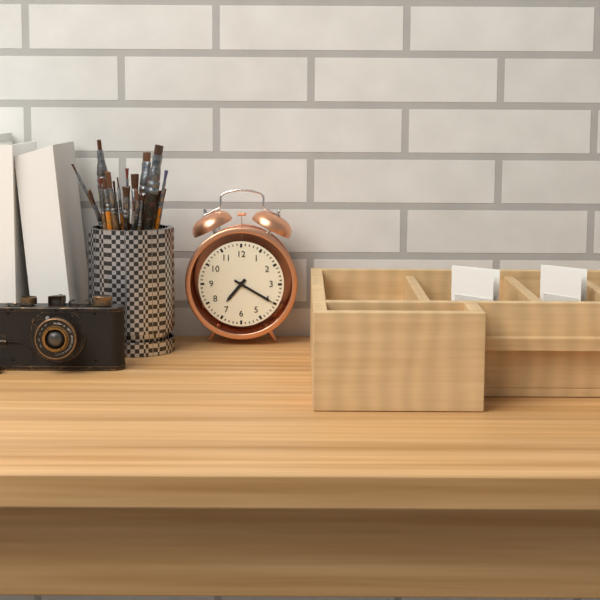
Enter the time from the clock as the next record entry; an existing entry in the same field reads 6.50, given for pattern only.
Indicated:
7.20
